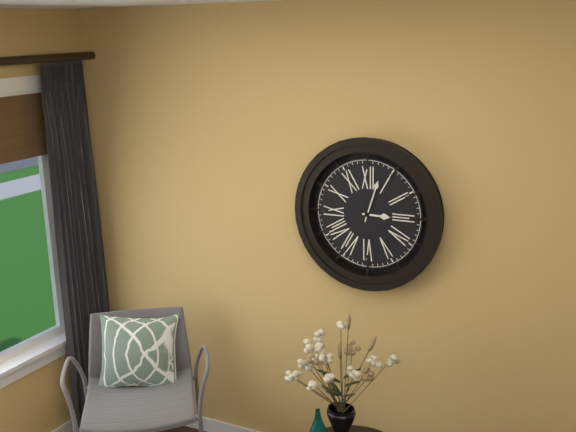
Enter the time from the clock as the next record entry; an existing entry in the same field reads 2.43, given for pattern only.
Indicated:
3.03
